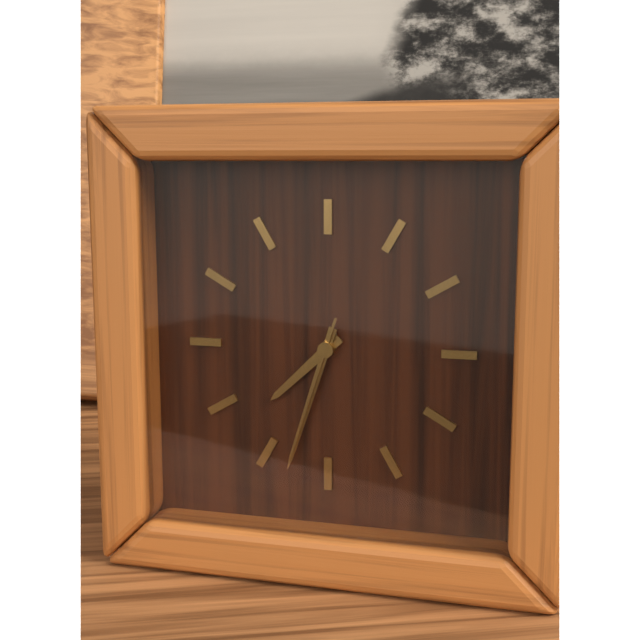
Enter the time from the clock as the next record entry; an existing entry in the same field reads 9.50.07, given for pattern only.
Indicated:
7.33.33
